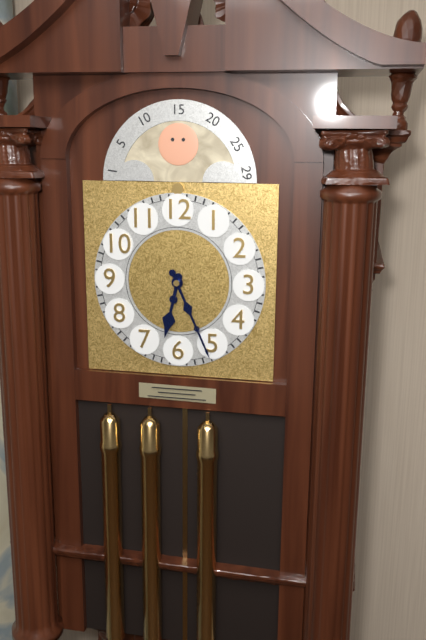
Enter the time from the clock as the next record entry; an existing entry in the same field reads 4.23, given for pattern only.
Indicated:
6.26
